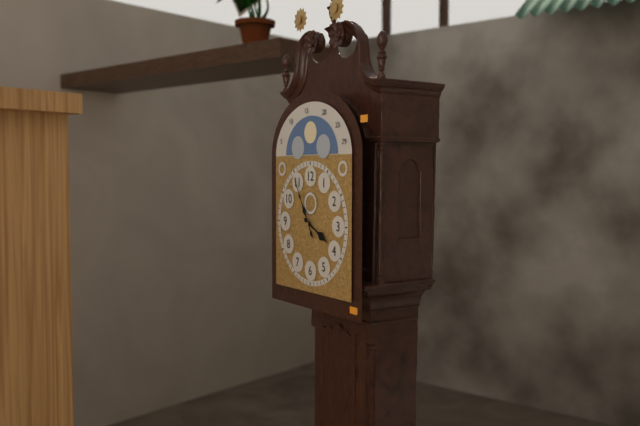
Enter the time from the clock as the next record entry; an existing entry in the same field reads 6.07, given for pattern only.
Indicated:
3.55
